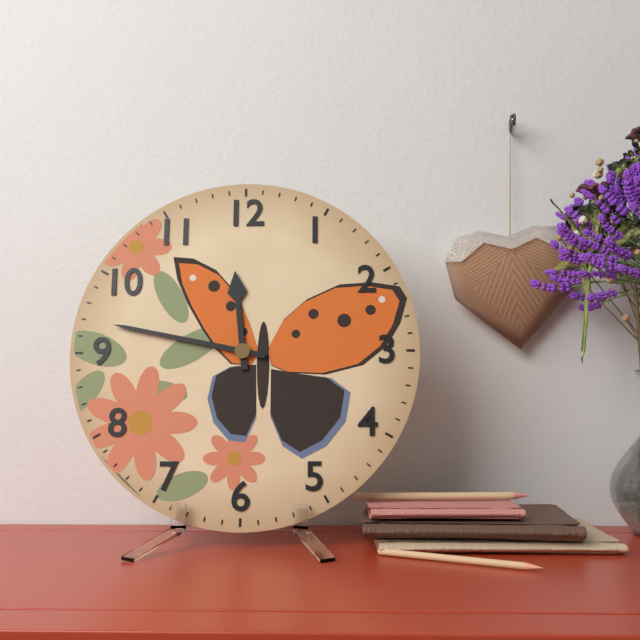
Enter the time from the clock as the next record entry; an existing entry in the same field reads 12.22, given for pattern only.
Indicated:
11.47
